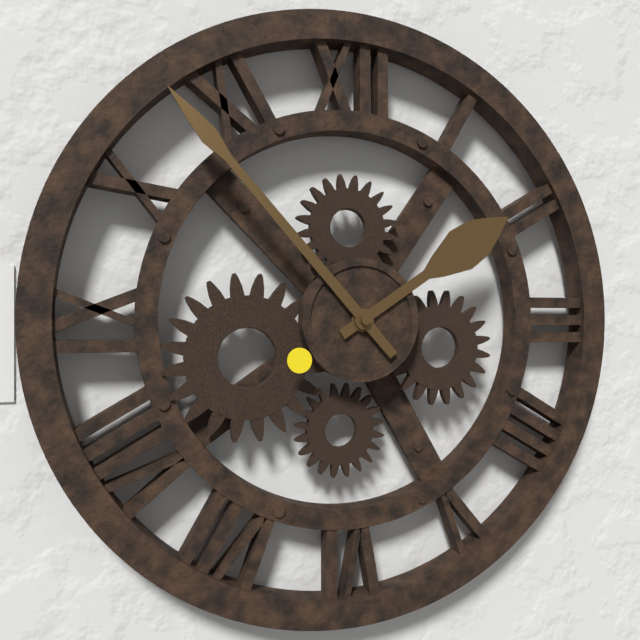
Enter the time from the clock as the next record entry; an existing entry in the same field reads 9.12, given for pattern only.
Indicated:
1.53
